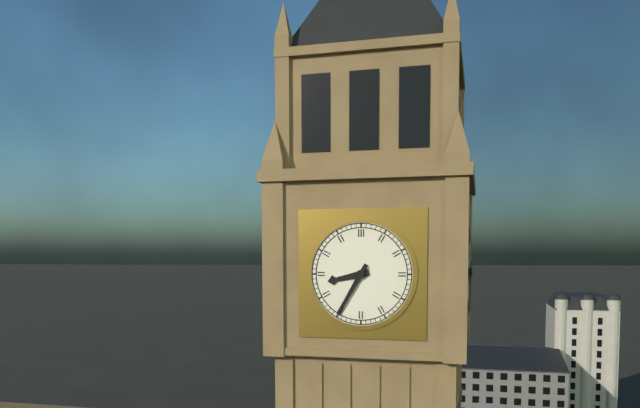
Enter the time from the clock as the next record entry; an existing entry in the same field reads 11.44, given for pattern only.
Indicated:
8.35
